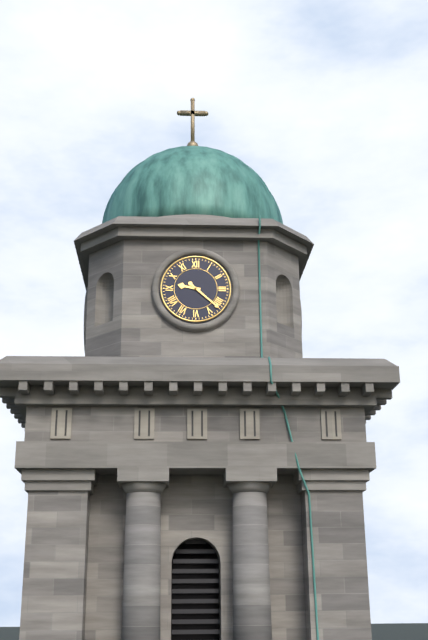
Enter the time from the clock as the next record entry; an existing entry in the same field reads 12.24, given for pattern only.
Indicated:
9.22
